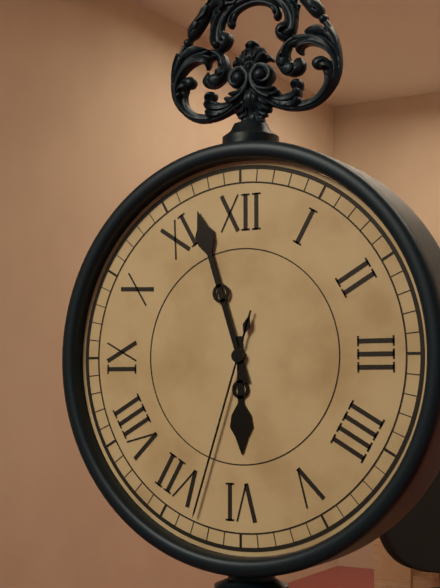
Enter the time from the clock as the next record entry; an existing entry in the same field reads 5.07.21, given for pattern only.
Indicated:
5.57.33
